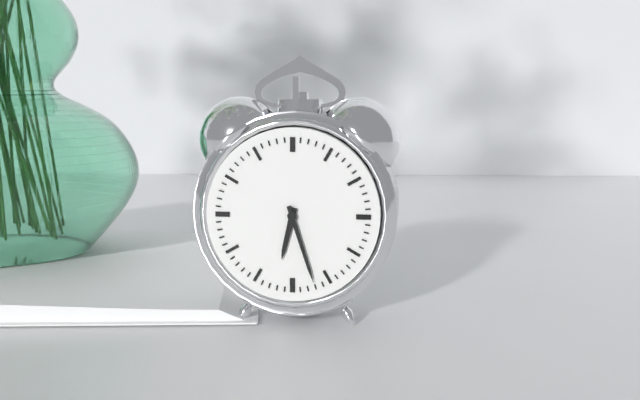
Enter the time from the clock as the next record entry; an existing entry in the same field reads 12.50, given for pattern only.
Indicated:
6.27
